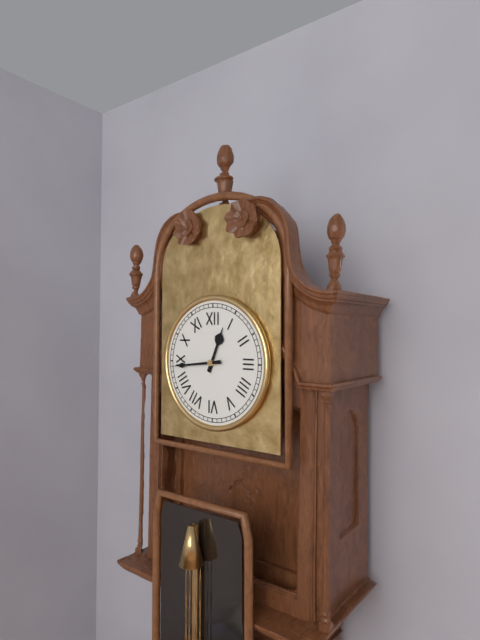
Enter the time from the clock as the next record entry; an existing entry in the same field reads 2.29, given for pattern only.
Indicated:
12.44
